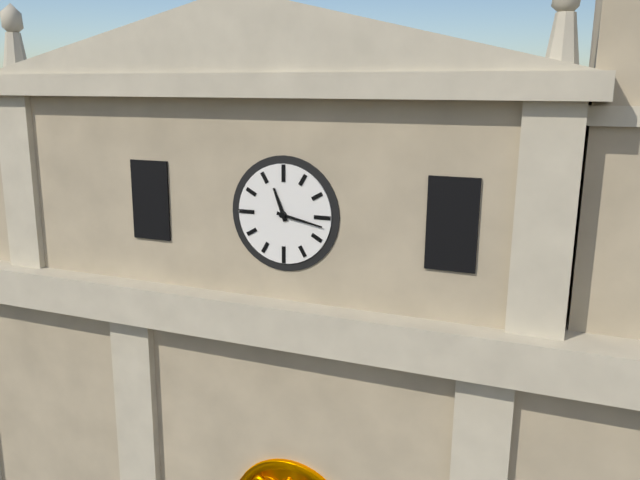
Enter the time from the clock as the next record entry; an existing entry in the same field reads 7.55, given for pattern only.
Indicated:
11.17
